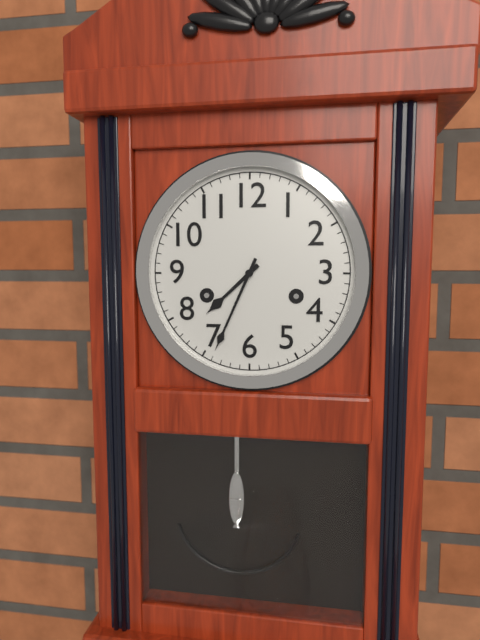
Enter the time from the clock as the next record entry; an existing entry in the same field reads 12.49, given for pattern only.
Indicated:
7.34
